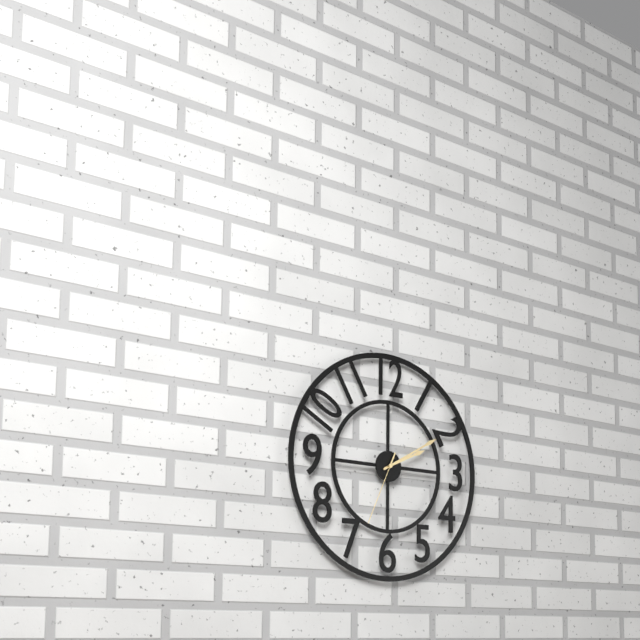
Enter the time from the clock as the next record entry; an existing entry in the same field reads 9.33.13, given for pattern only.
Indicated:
2.10.34
